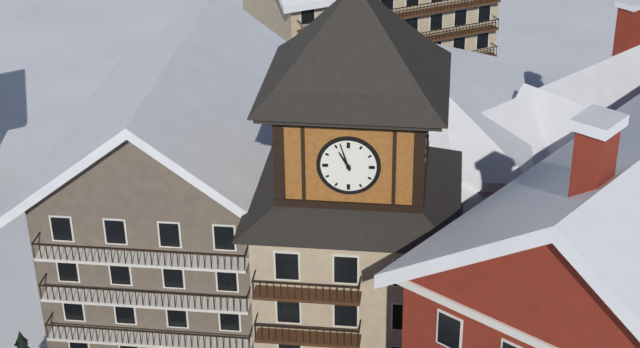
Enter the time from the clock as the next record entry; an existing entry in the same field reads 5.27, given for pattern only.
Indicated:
10.57
